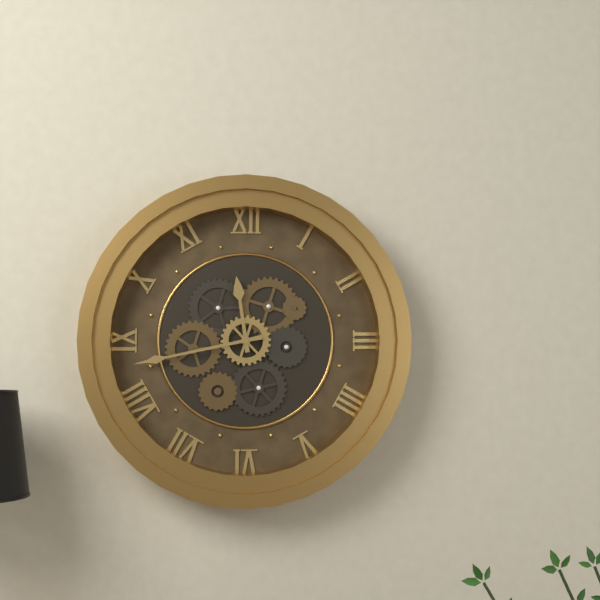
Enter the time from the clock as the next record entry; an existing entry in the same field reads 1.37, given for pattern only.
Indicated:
11.43
